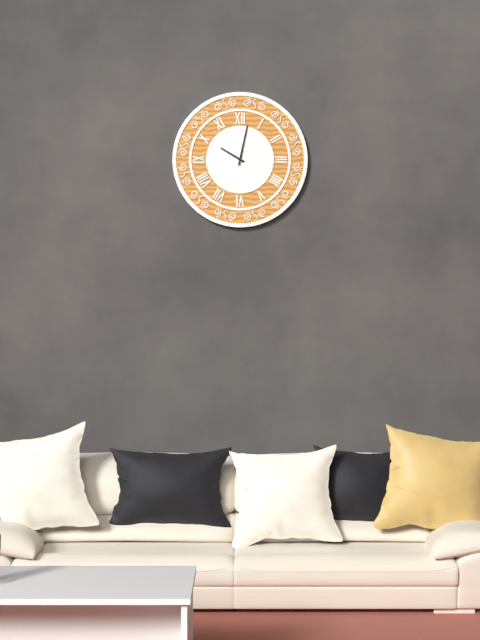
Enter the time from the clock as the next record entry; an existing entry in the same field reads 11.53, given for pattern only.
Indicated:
10.02
